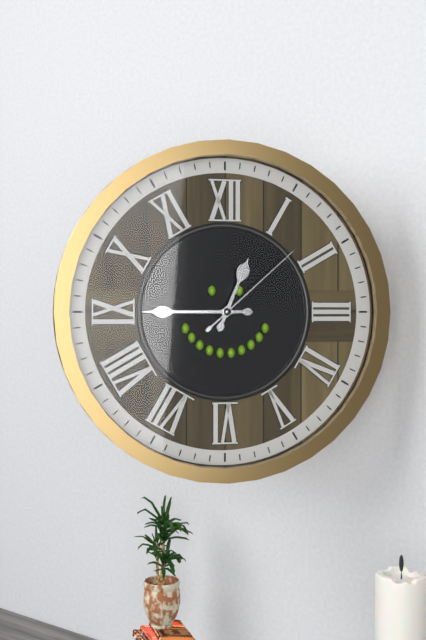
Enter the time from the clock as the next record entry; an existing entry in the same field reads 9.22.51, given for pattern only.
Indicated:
12.45.08
